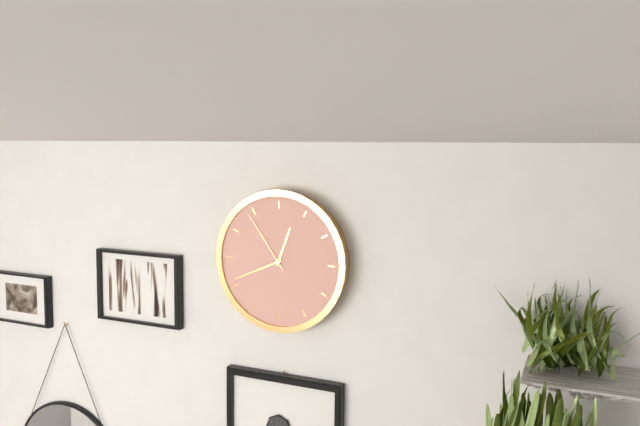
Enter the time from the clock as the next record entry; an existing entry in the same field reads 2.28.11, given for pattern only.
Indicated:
12.41.54
